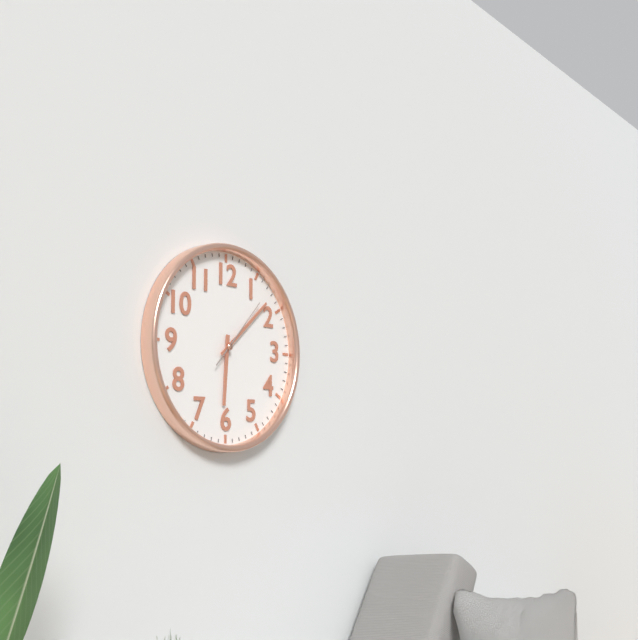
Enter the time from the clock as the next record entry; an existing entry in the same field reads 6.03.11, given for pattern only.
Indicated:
6.08.07
